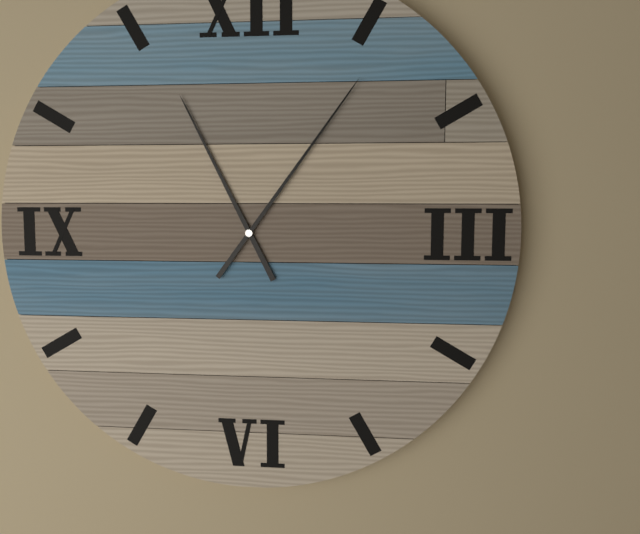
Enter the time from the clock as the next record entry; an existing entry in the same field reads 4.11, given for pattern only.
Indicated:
11.06
